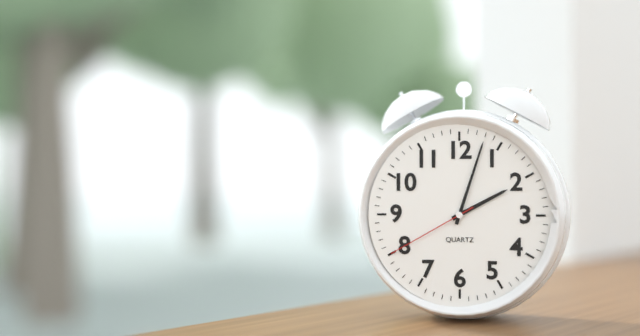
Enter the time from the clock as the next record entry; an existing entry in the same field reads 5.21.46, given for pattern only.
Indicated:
2.03.40
